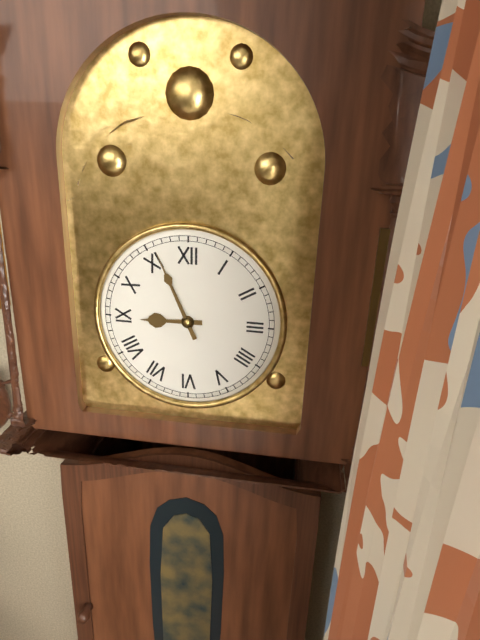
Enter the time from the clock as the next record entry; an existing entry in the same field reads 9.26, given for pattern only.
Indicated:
8.56
